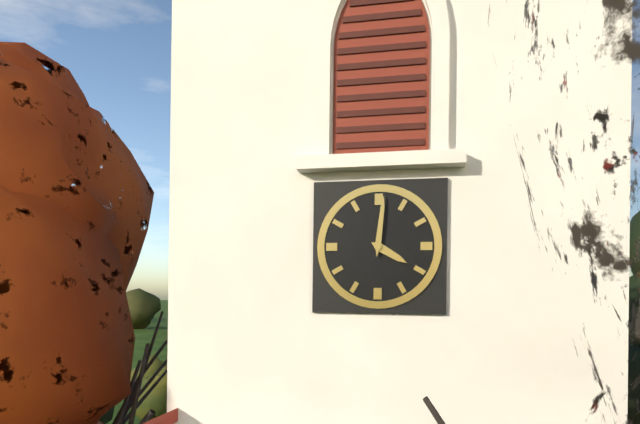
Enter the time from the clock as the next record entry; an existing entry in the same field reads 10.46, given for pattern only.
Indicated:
4.01
